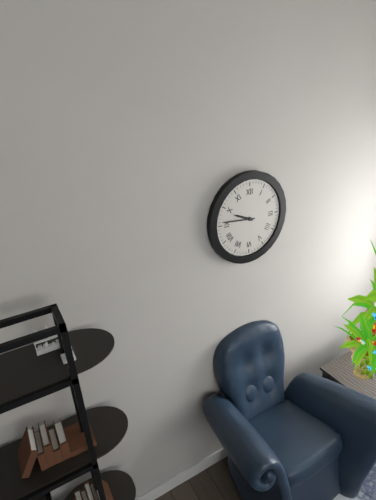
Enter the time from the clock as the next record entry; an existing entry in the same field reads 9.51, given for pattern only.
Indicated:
9.46
